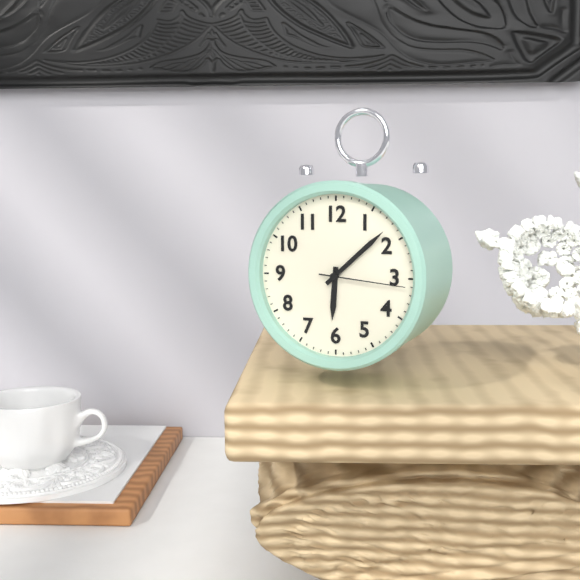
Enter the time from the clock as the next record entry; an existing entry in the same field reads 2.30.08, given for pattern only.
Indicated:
6.08.16
